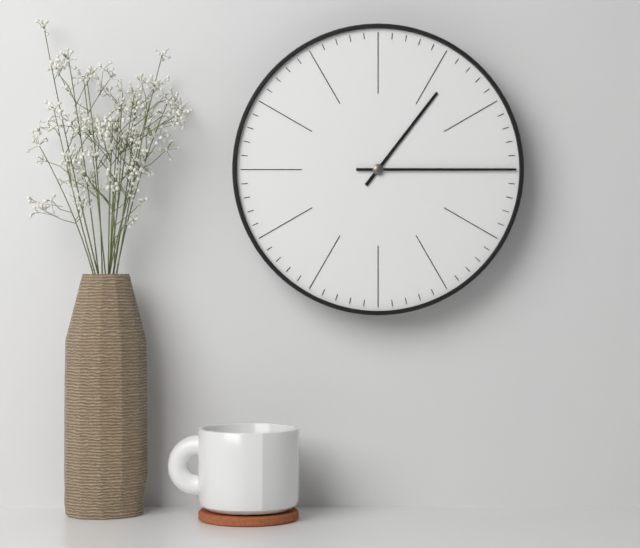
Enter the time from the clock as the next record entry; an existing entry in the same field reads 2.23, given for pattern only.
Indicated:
1.15
